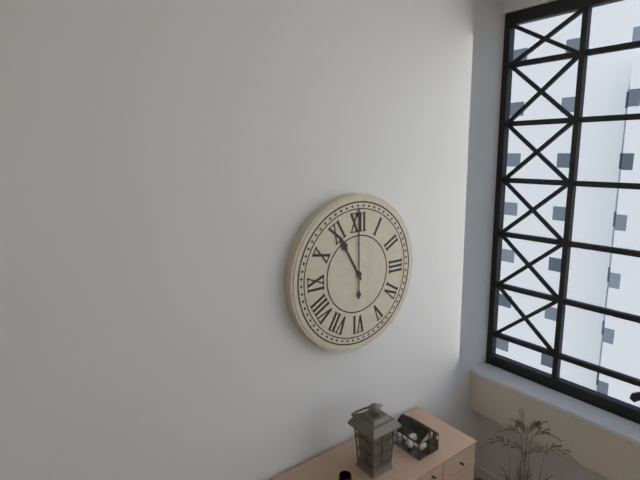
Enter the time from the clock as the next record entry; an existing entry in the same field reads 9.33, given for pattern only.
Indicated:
11.00
